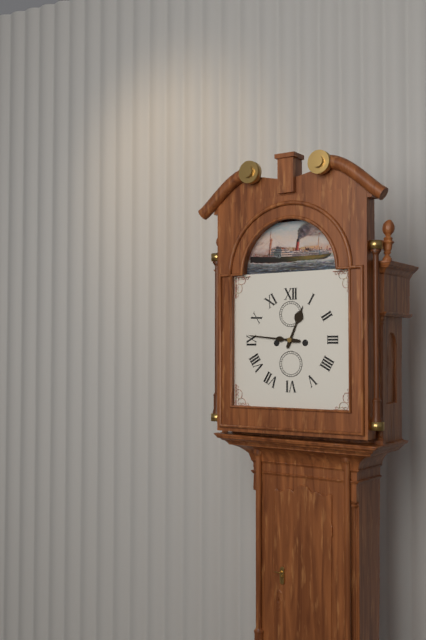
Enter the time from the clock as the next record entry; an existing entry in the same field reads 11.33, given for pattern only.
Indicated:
12.46
